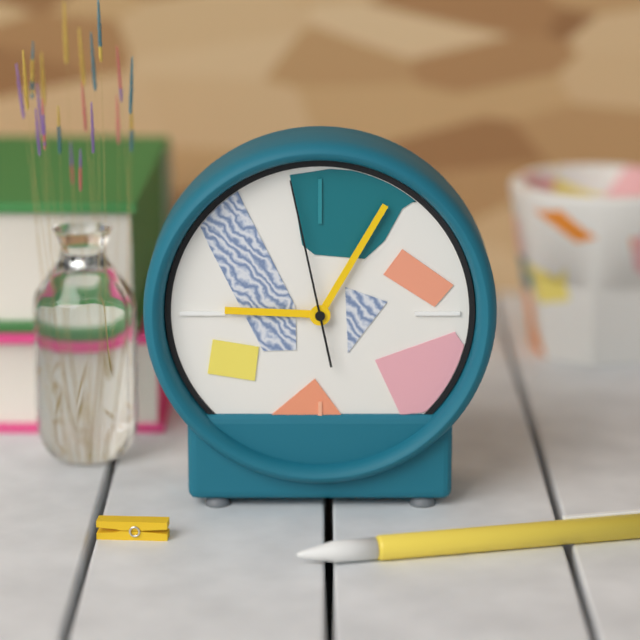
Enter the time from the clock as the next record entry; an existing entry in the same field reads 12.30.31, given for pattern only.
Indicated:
9.05.58
